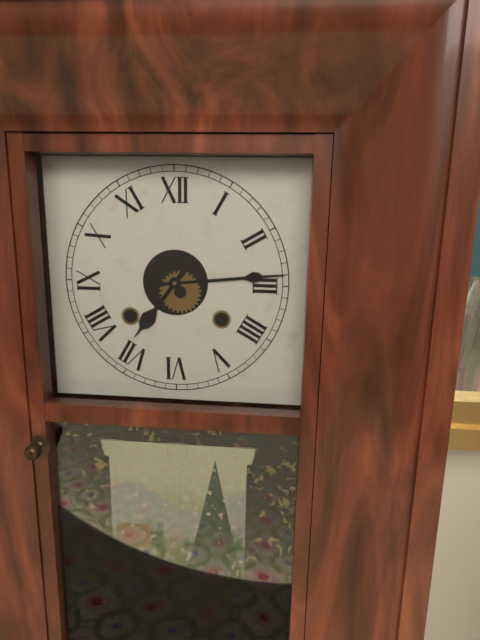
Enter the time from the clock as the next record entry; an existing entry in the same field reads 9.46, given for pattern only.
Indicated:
7.14
